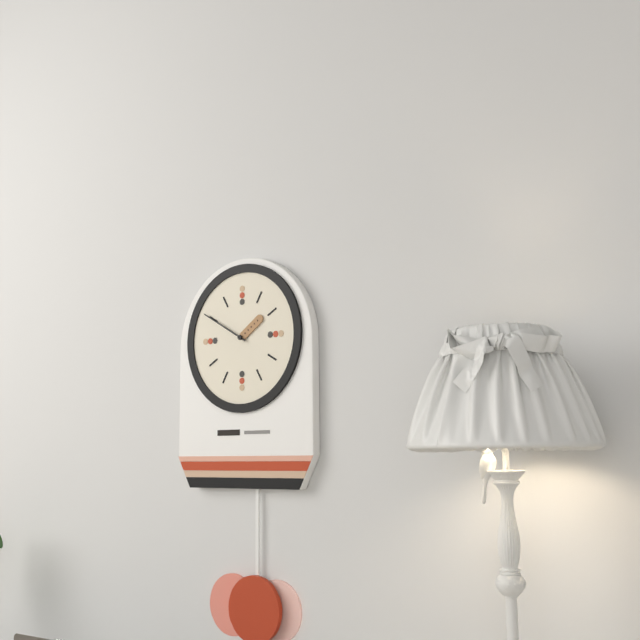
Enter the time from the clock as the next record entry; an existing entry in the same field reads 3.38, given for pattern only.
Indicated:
1.50
